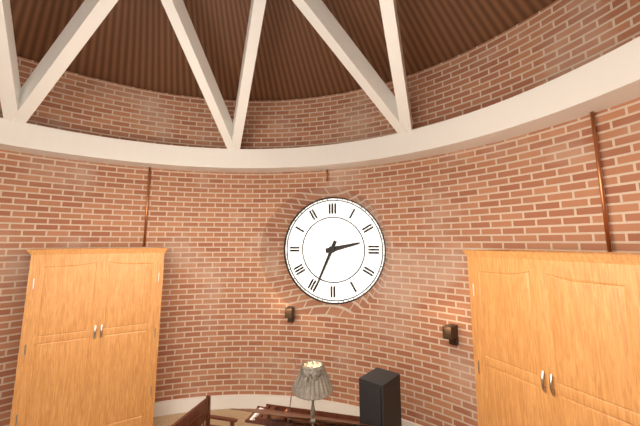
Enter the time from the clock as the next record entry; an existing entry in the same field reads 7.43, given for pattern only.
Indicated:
2.34
